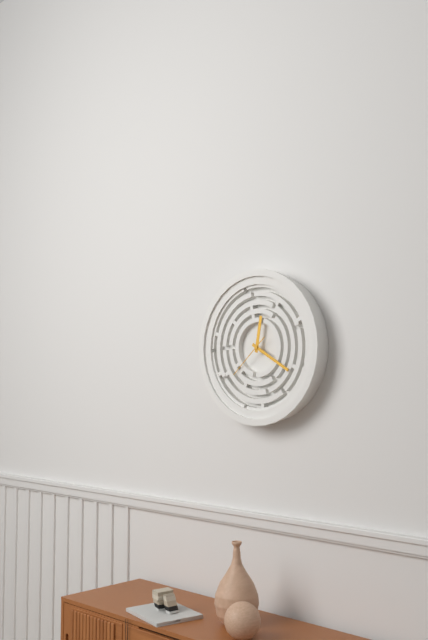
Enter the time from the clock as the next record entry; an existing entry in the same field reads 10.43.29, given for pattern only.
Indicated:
12.20.38
